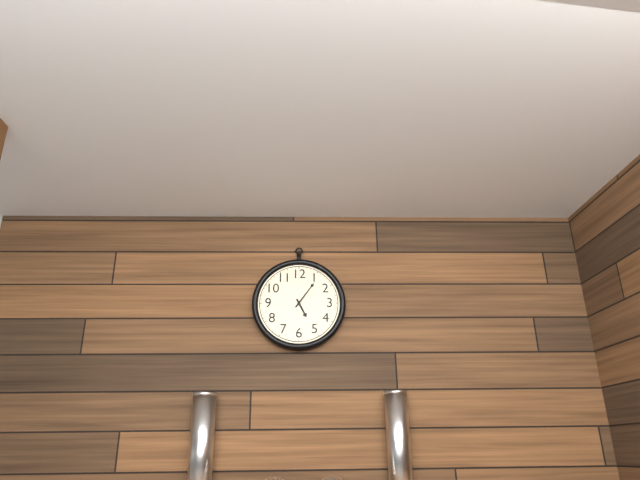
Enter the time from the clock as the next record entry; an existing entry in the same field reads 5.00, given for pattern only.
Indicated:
5.06
